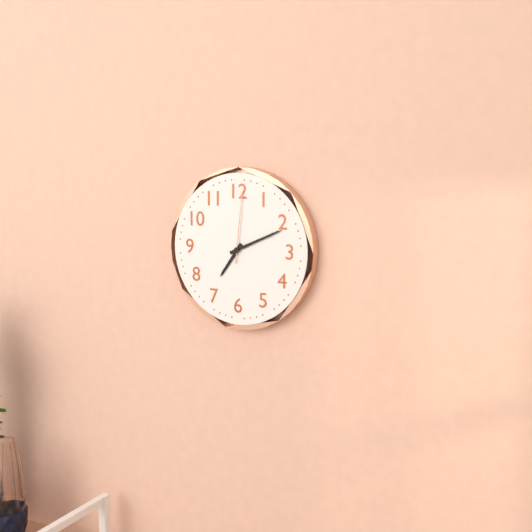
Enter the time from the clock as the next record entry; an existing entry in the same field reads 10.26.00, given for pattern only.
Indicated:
7.11.01
